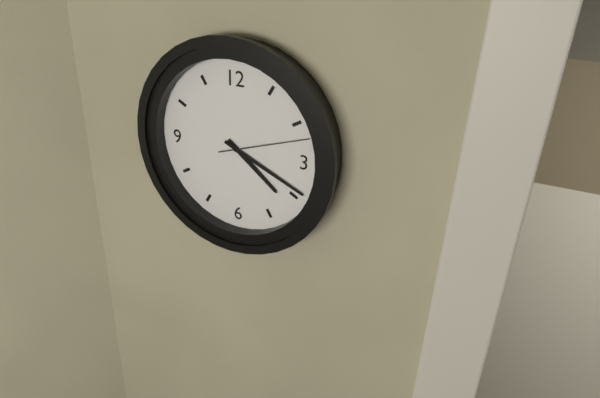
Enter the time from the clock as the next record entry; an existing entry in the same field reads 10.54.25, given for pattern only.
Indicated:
4.19.12
